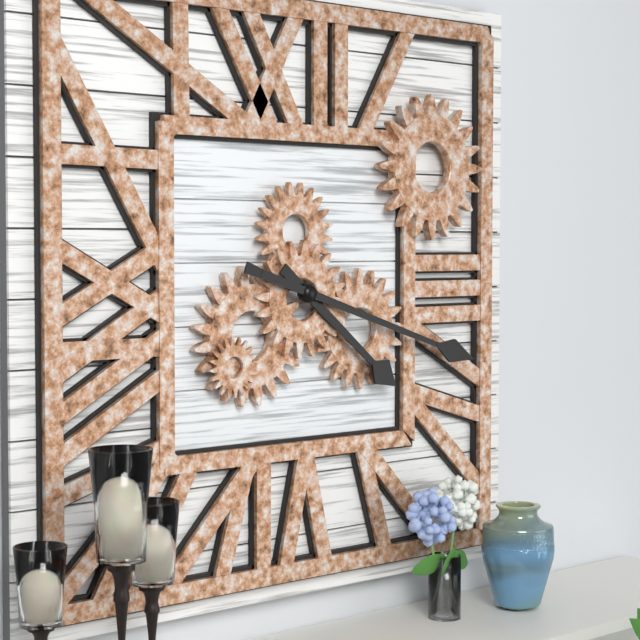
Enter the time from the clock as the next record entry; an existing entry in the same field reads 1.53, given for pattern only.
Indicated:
4.18
